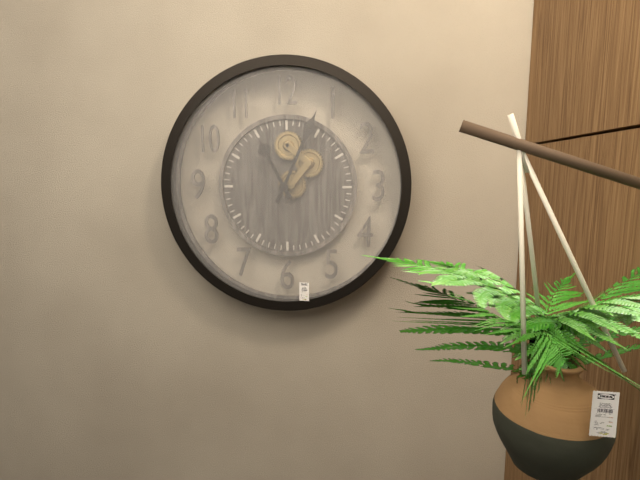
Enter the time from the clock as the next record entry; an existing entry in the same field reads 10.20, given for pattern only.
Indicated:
11.04
